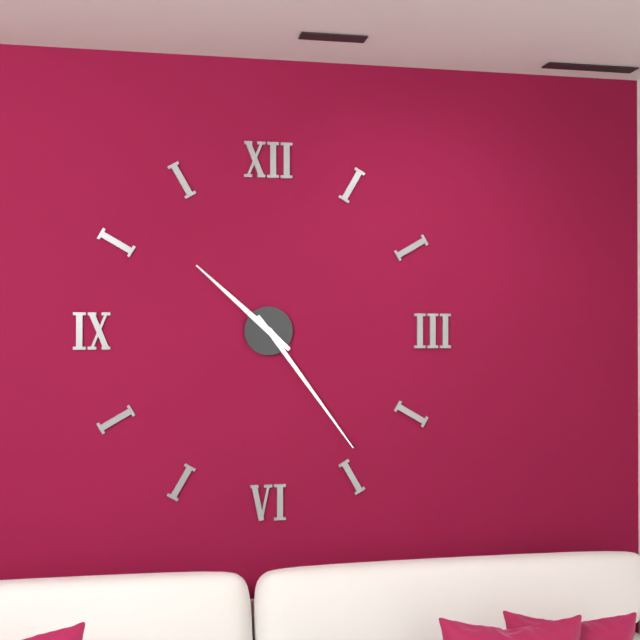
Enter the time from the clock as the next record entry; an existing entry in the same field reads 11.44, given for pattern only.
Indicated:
10.24
